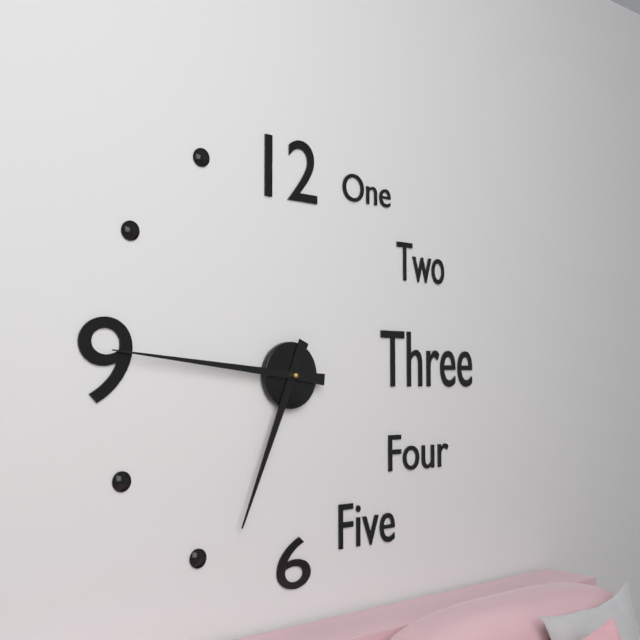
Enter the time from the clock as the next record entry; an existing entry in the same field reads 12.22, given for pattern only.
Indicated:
6.46
